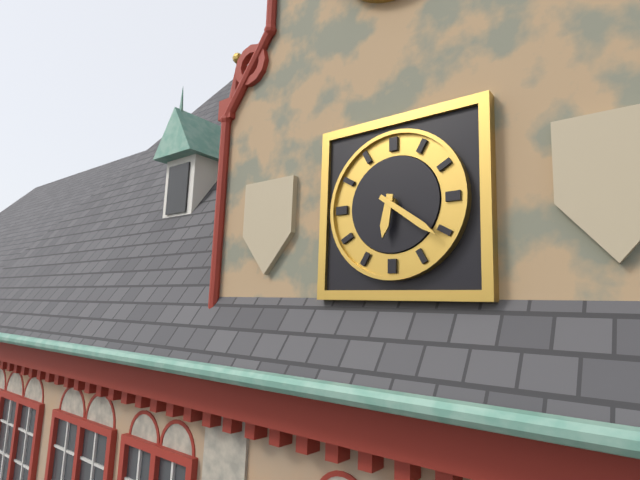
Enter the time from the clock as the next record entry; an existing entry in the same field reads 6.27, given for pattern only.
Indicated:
6.21
